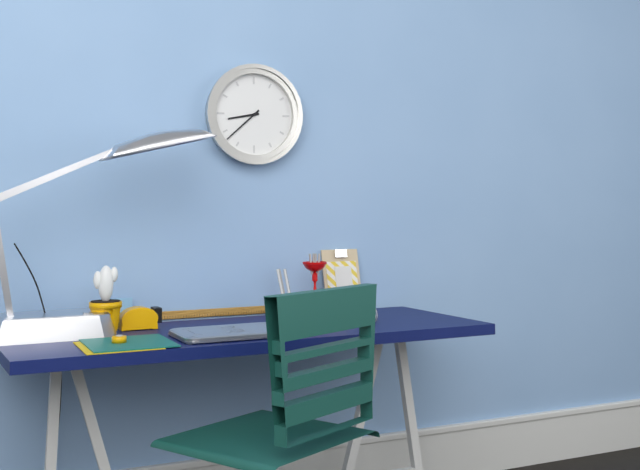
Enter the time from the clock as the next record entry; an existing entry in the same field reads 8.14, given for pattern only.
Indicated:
8.38
